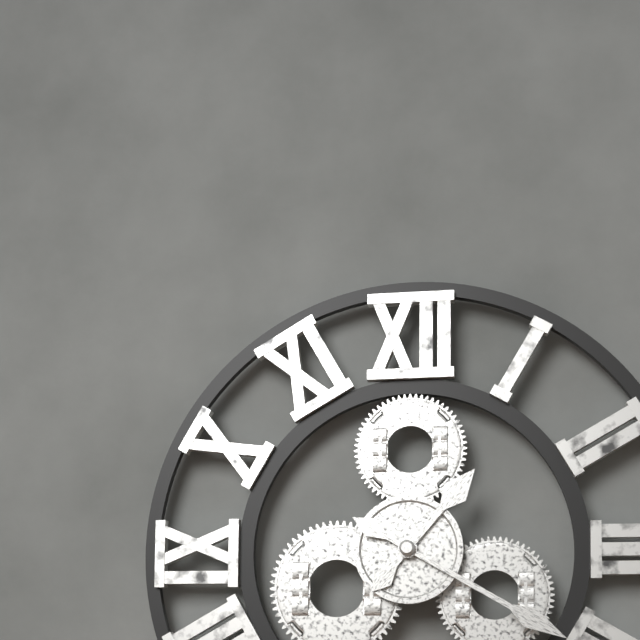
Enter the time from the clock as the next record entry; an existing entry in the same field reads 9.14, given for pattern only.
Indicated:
1.20
